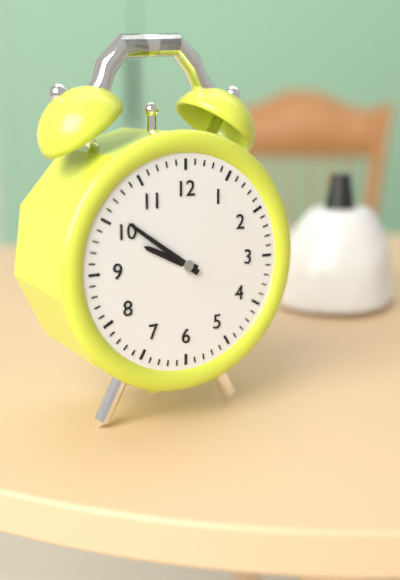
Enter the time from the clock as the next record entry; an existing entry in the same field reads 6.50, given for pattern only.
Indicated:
9.51
